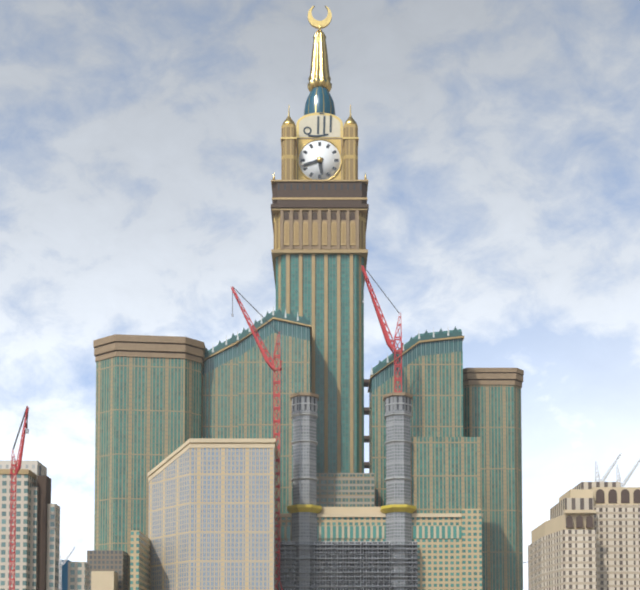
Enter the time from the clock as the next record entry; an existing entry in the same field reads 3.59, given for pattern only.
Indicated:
5.42
